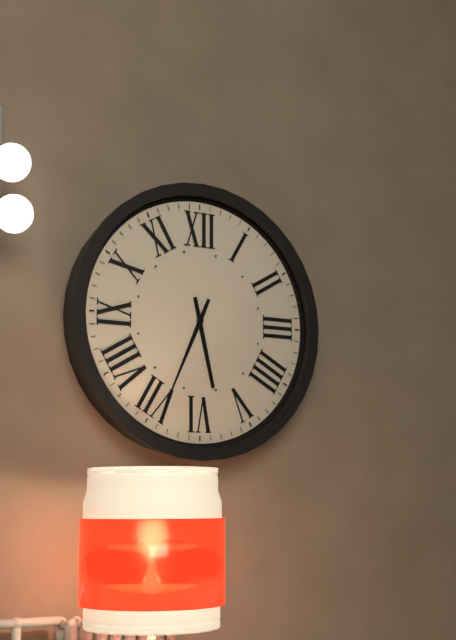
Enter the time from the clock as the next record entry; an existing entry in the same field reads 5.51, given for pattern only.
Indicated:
5.34
